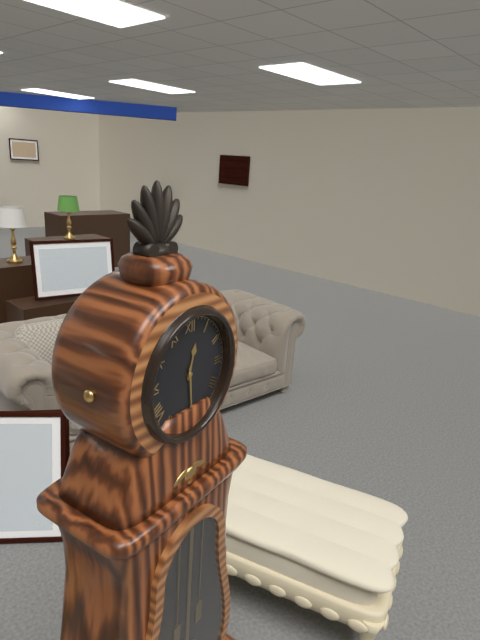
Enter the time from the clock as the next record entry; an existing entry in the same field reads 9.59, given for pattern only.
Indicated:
12.29
